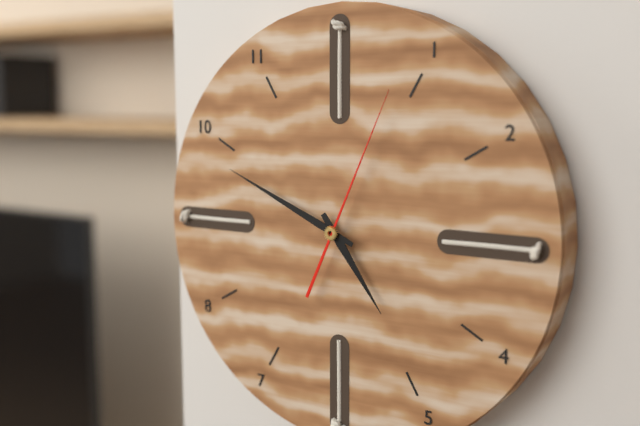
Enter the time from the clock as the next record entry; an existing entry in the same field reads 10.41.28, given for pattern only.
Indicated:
4.49.04
